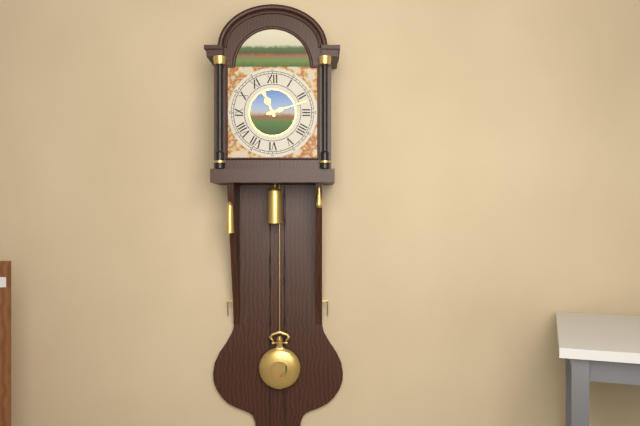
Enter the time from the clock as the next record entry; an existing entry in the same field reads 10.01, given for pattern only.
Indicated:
11.12
